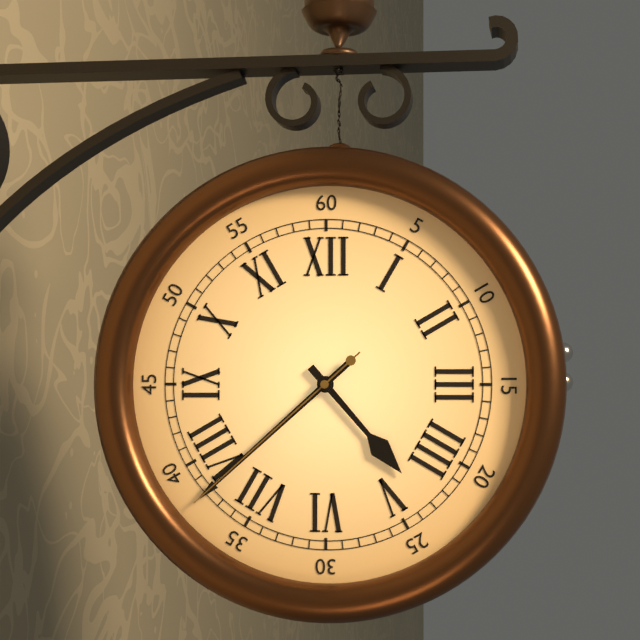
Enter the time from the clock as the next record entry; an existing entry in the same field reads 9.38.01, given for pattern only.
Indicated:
4.38.38
